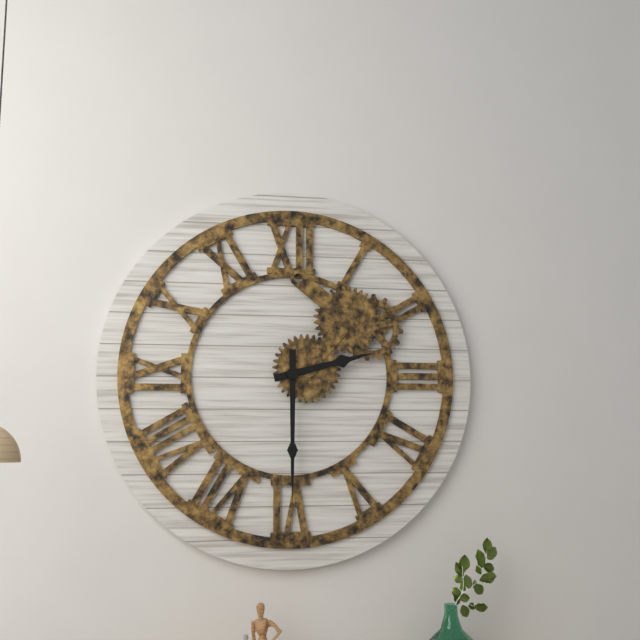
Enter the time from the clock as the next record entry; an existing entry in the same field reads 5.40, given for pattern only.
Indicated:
2.30
